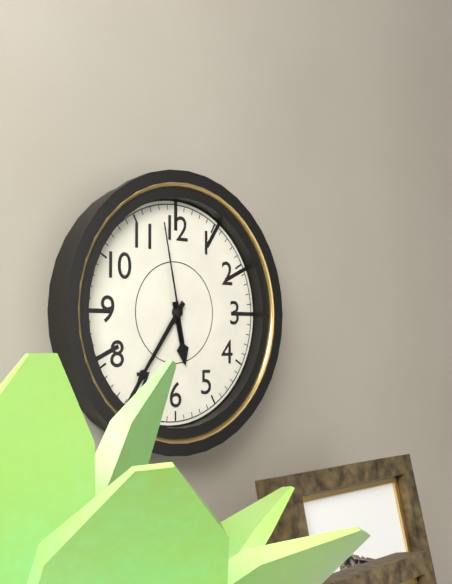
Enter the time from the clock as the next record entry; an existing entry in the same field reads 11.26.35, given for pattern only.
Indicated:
5.36.58
